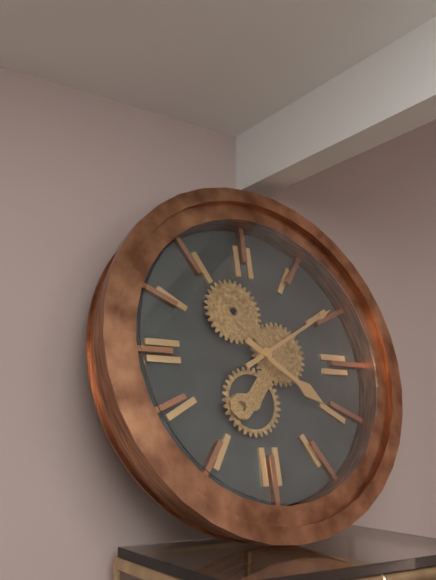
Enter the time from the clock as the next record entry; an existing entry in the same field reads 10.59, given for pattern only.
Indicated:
4.10
